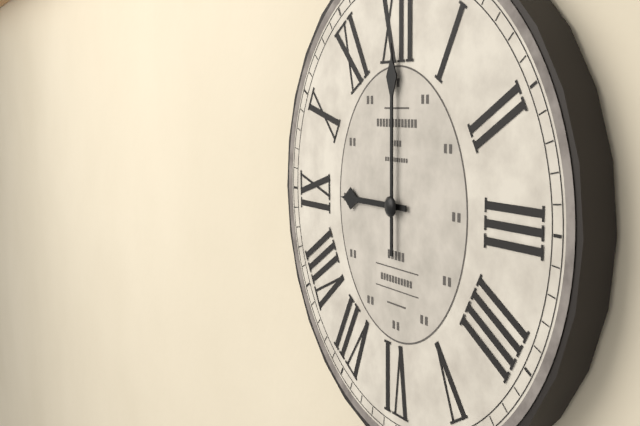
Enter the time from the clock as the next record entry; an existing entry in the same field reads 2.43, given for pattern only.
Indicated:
9.00
